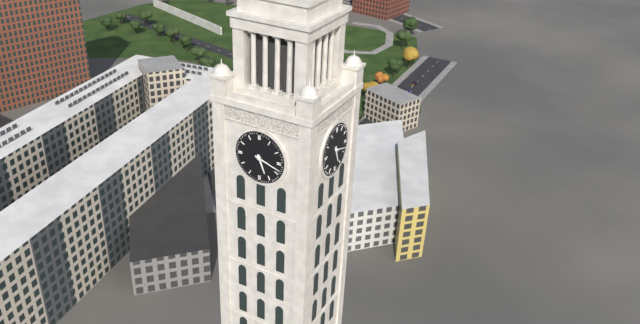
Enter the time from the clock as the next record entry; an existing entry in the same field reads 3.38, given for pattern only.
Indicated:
5.18
